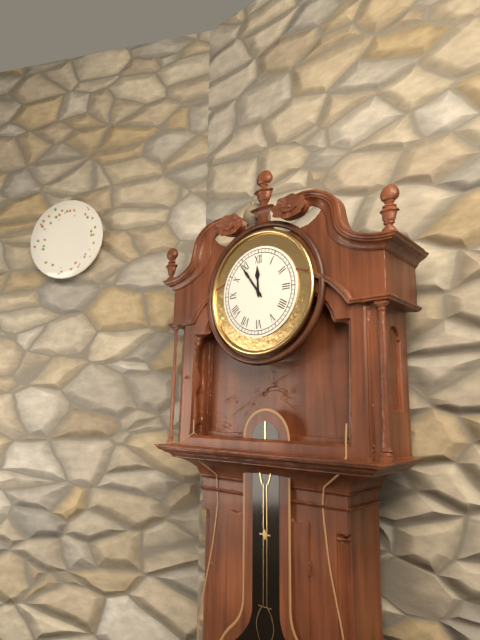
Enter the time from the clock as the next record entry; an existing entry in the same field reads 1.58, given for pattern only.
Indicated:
11.54
